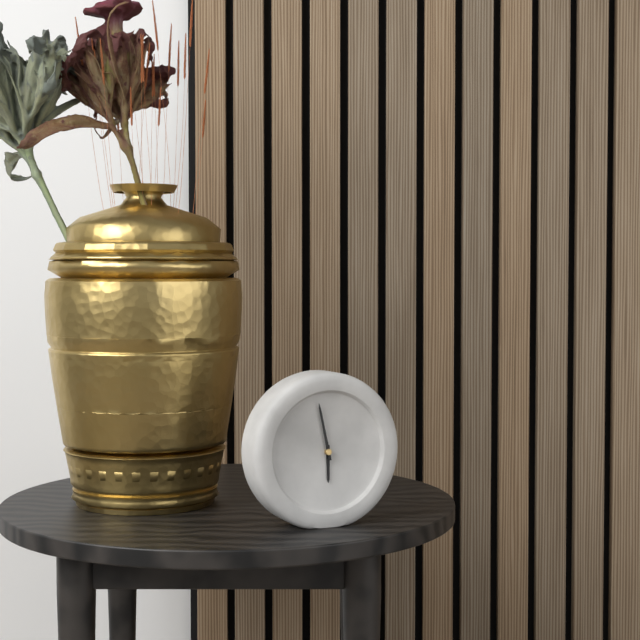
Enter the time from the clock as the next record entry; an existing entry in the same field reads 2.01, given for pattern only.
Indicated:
5.58
